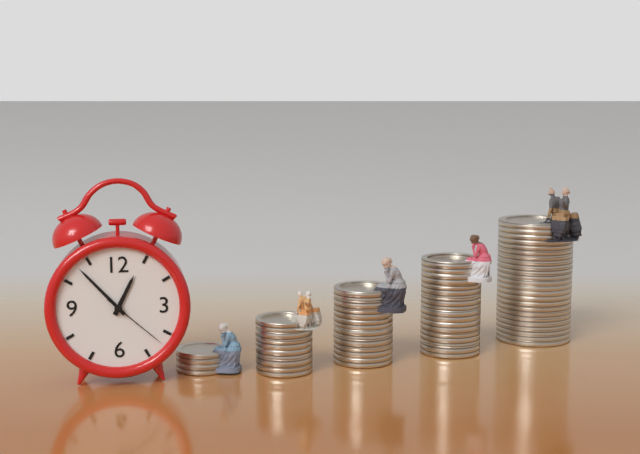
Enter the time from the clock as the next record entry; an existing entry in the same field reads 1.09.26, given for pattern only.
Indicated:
12.53.22
